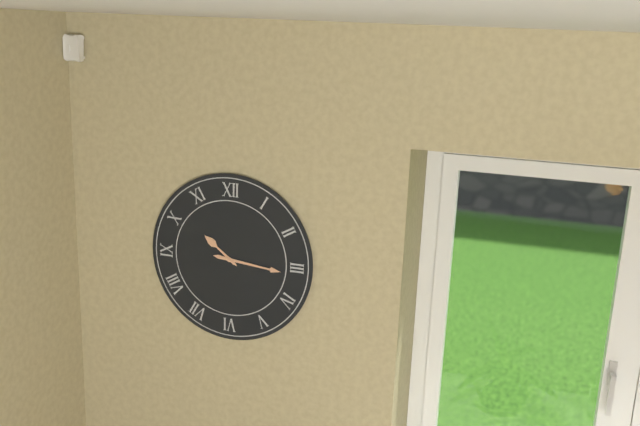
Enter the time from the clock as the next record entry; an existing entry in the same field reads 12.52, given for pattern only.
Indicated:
10.16
